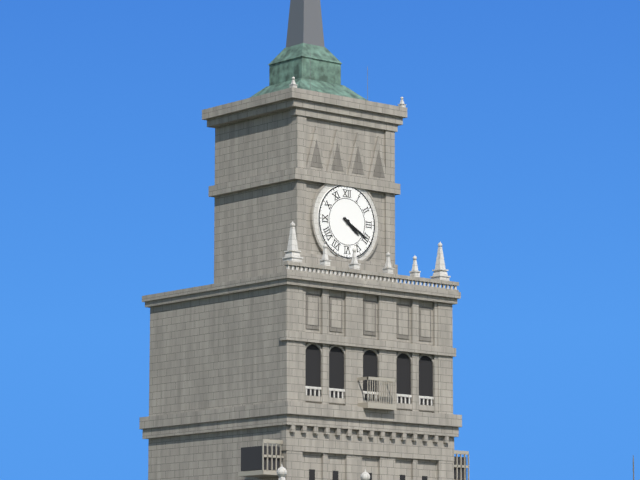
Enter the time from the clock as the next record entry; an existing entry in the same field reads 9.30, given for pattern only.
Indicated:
4.20
